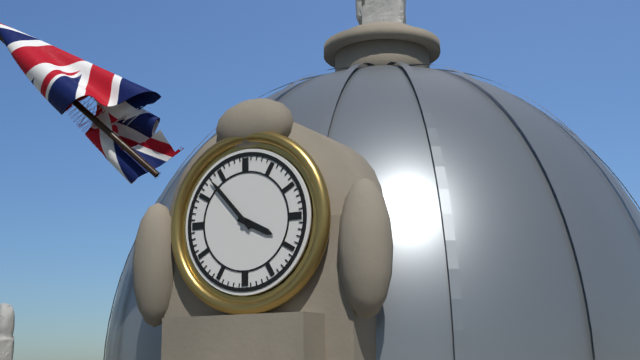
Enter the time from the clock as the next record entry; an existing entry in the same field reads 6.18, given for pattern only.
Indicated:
3.53
